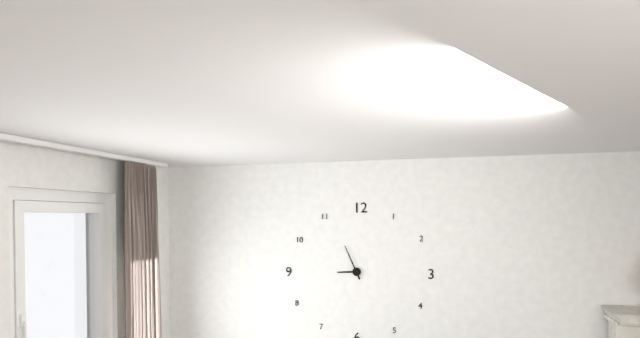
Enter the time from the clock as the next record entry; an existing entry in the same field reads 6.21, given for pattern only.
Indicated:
8.56
